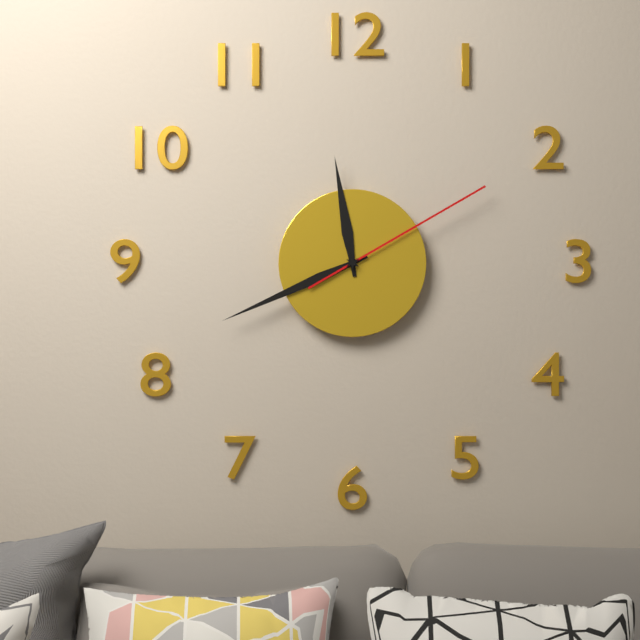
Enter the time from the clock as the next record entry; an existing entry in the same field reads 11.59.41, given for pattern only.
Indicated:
11.41.10
